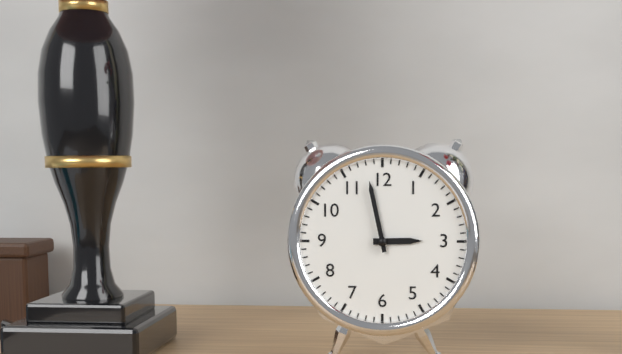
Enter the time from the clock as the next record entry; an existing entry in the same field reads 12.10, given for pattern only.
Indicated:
2.58
